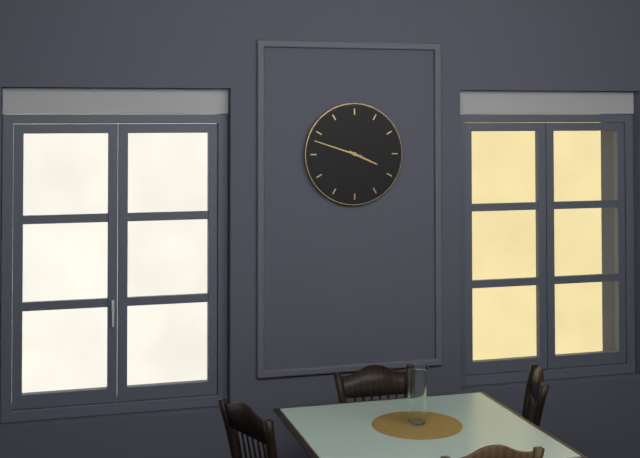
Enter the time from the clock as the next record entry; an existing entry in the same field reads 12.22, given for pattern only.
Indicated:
3.48
